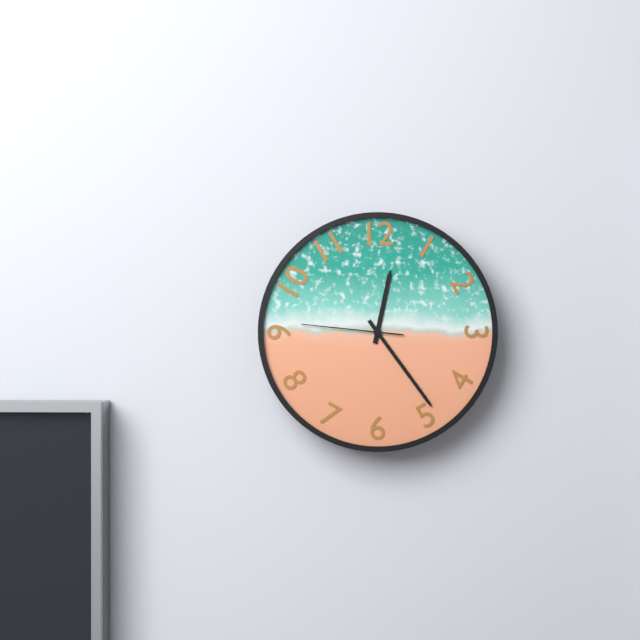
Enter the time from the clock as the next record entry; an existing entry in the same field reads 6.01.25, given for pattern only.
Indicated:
12.24.46
